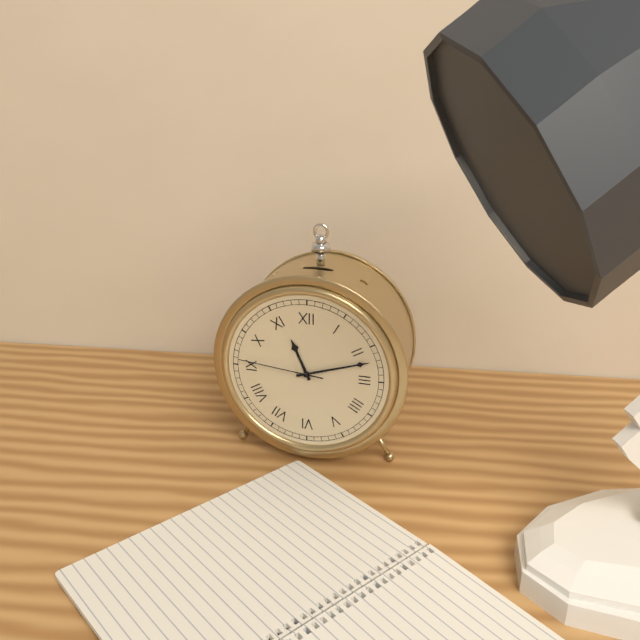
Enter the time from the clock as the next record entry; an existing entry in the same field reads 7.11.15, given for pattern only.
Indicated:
11.12.46
